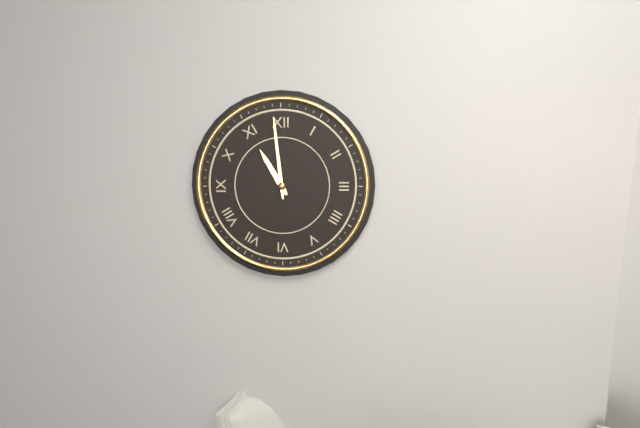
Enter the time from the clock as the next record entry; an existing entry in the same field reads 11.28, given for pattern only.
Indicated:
10.59
